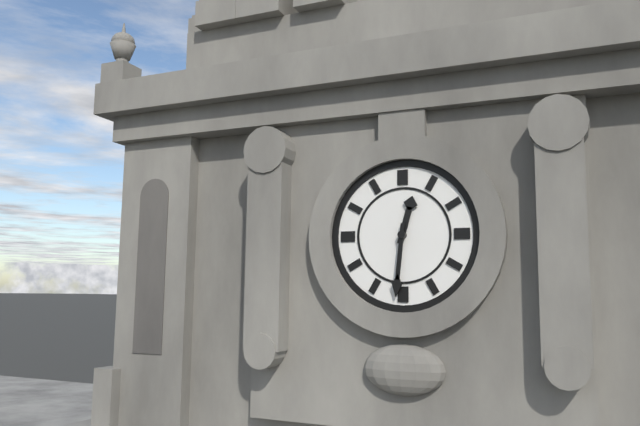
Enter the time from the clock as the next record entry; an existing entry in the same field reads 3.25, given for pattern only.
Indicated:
12.31
